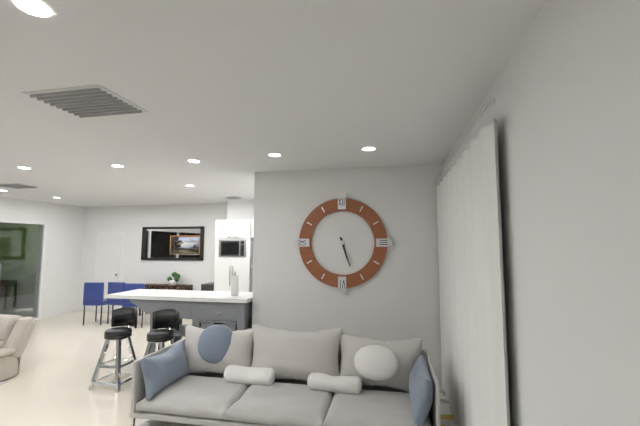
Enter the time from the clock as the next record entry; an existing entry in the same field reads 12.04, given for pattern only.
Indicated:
5.27
